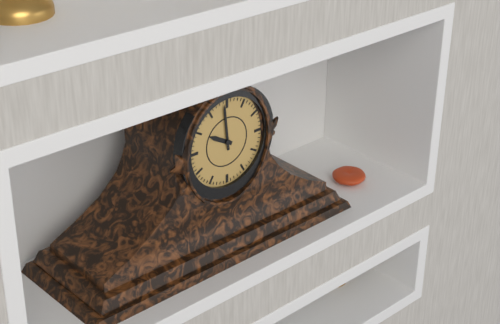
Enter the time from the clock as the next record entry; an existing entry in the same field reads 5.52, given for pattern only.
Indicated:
9.59
